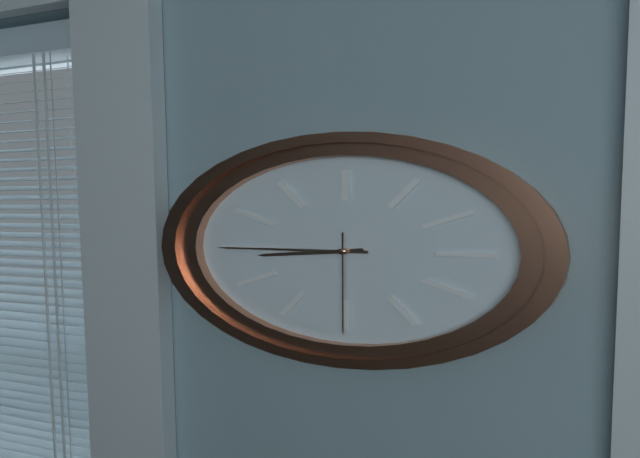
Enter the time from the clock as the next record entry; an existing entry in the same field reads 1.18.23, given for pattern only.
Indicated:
8.45.30
